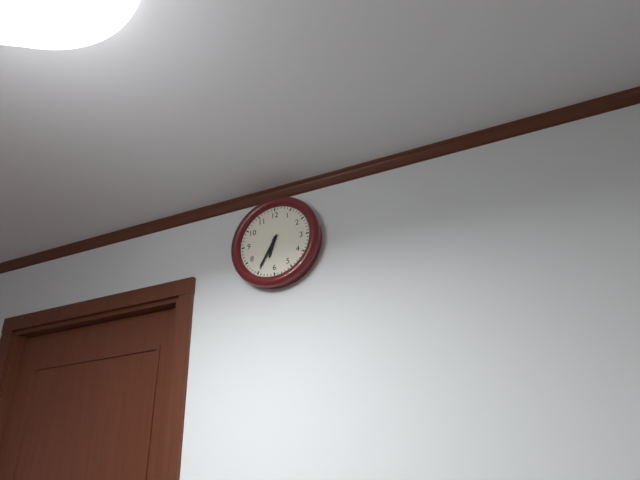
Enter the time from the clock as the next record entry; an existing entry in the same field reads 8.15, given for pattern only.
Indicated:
6.35
